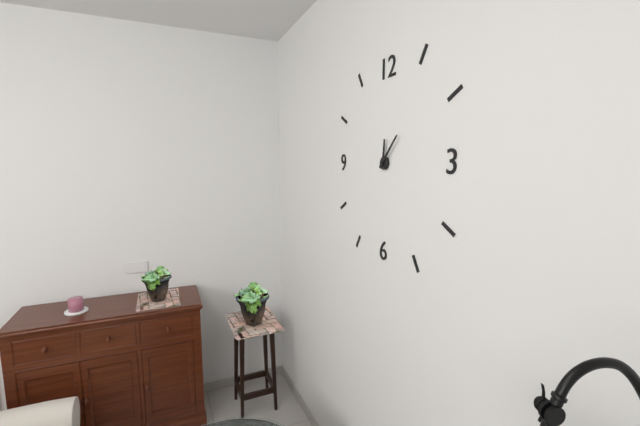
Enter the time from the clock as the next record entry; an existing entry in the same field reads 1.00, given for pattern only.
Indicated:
12.07
